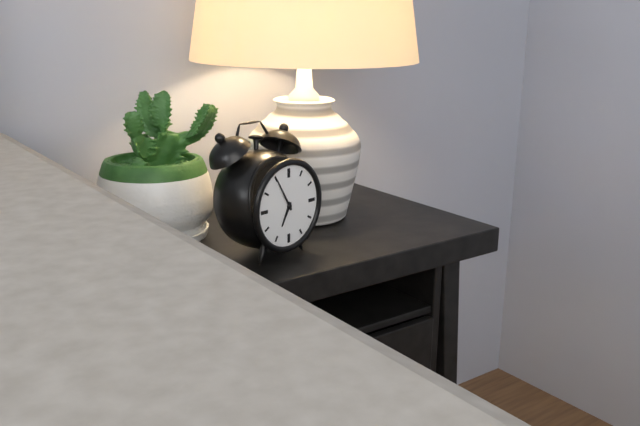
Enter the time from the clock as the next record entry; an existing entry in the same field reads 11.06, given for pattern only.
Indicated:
6.55
